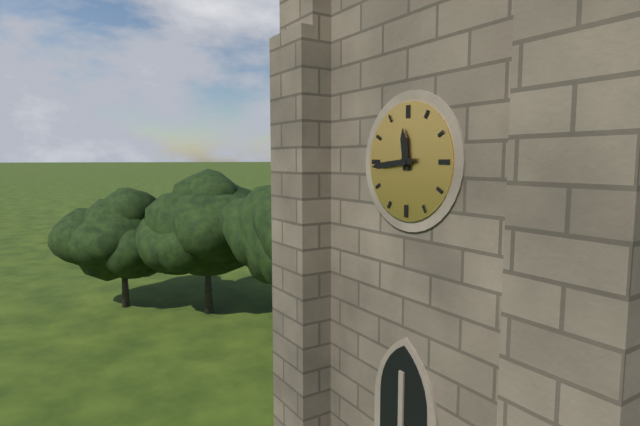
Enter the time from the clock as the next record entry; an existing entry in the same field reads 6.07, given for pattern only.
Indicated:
11.44
